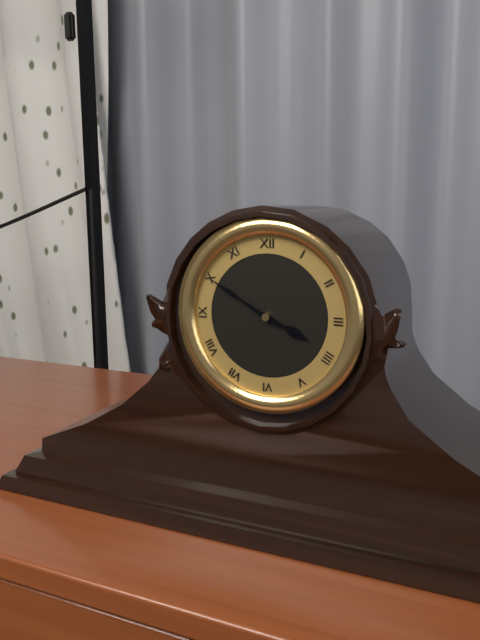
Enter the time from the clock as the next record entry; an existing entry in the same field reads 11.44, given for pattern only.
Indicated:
3.50
